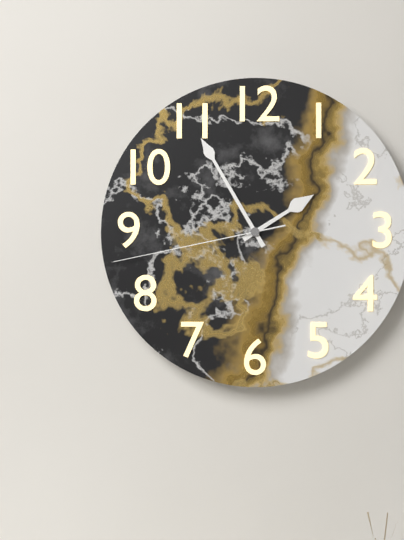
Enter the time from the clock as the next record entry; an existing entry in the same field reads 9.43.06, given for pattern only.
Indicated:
1.55.43
